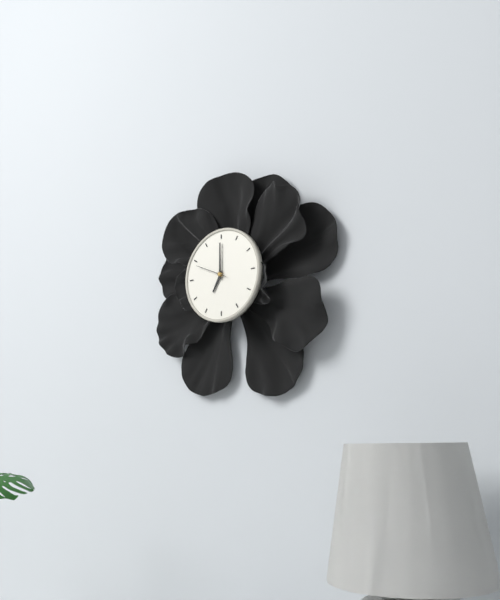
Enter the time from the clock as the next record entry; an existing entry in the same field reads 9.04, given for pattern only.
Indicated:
7.00
